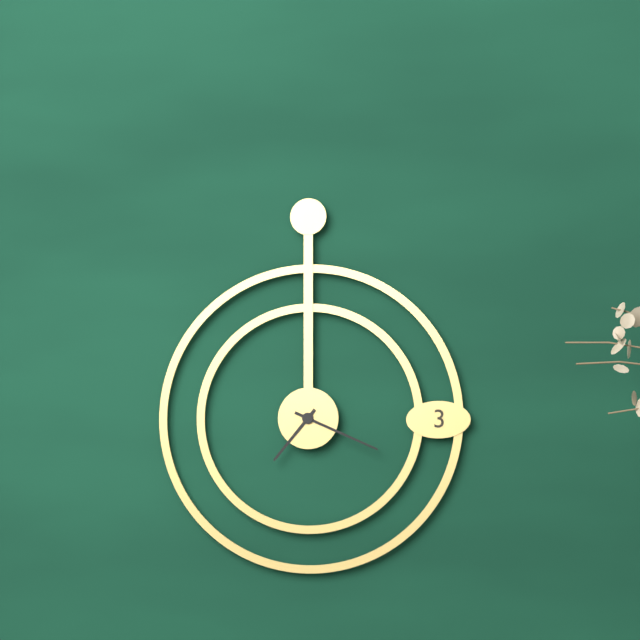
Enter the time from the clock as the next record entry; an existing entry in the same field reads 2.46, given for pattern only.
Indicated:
7.19
